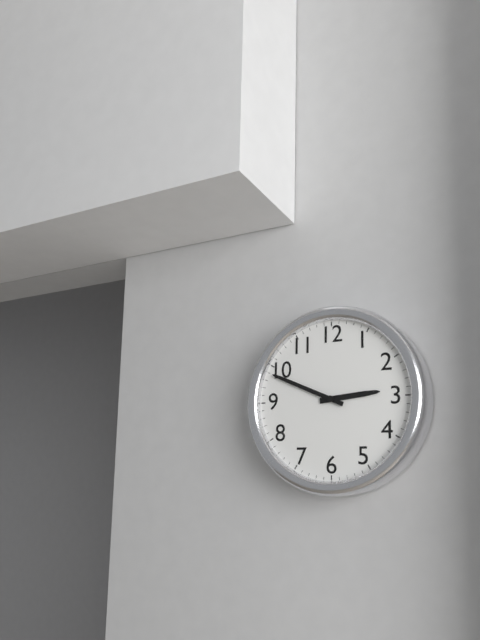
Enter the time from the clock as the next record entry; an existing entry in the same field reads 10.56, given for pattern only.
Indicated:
2.49
